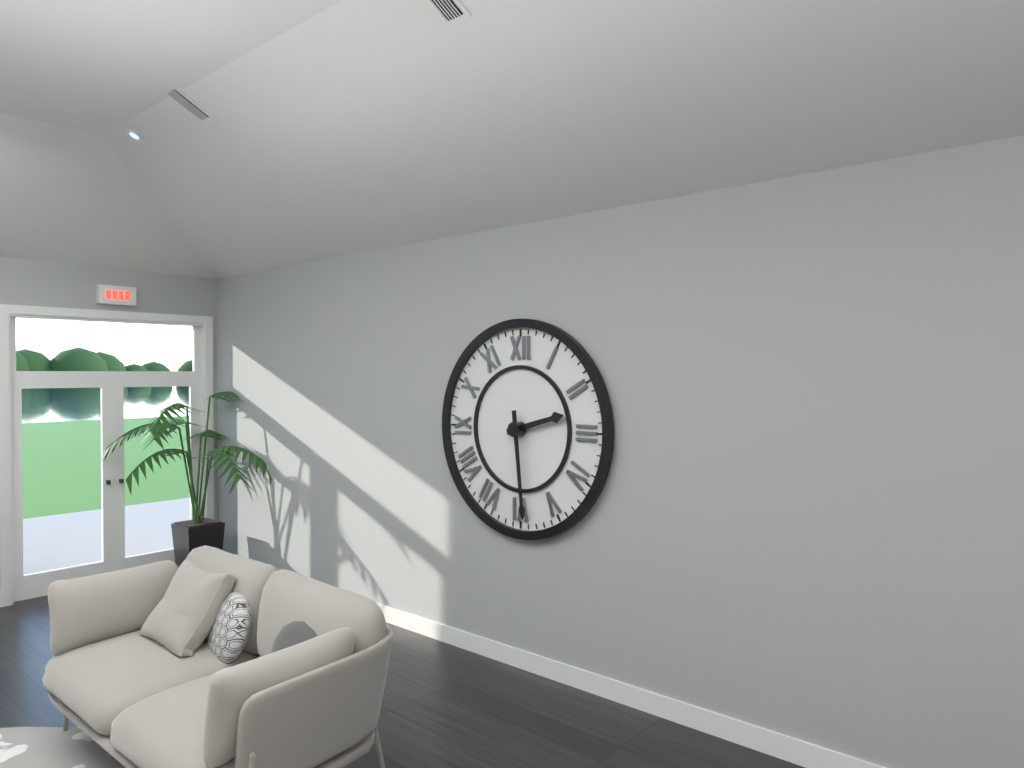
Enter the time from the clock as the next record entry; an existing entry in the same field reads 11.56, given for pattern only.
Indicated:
2.29
